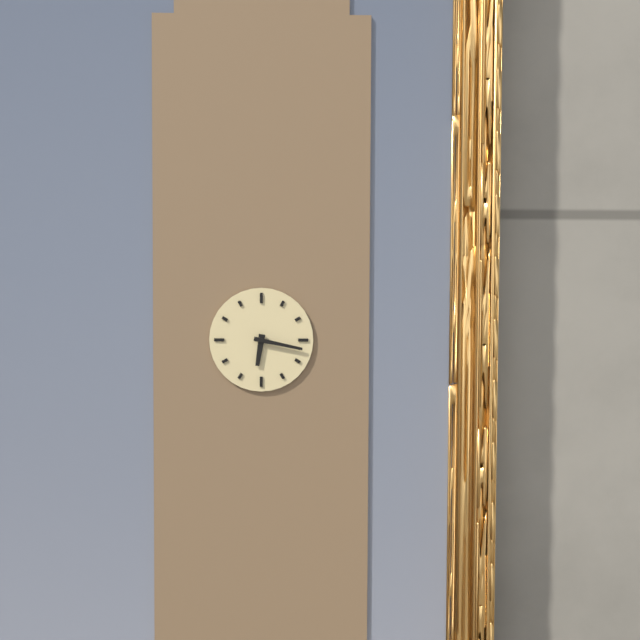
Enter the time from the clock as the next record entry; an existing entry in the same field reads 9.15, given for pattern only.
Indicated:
6.17
